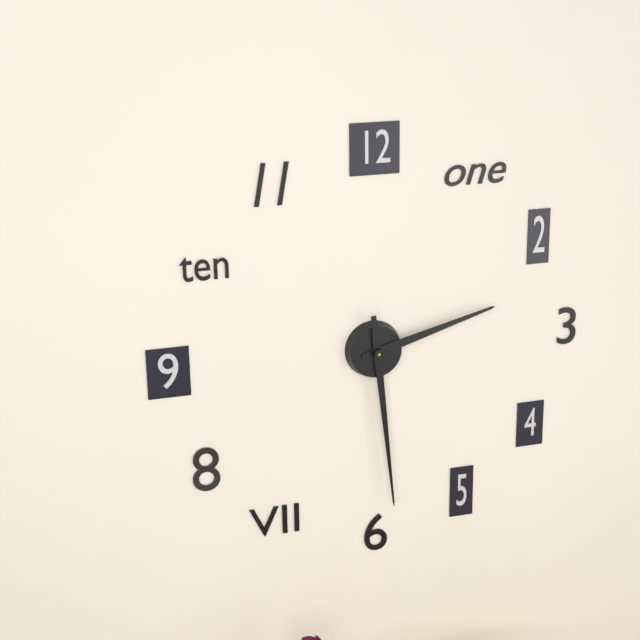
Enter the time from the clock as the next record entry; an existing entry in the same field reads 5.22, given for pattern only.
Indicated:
2.29
